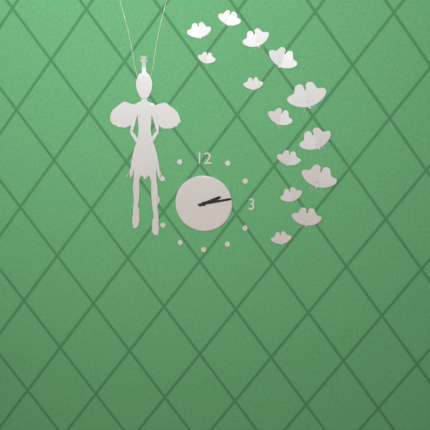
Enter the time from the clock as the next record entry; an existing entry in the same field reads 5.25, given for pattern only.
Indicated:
2.13
